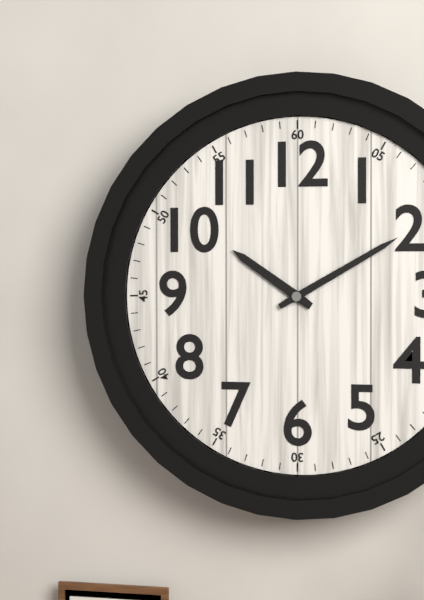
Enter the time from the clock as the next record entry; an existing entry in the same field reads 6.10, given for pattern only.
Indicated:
10.10
